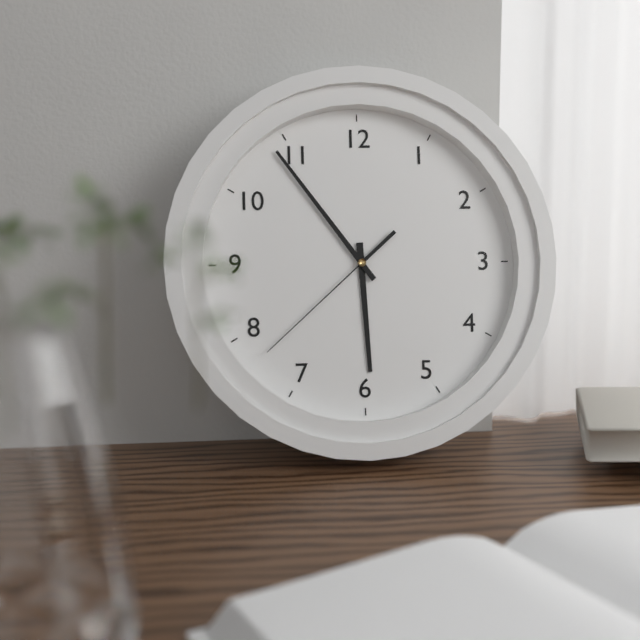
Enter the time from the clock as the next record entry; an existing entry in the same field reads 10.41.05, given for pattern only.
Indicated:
5.54.38
